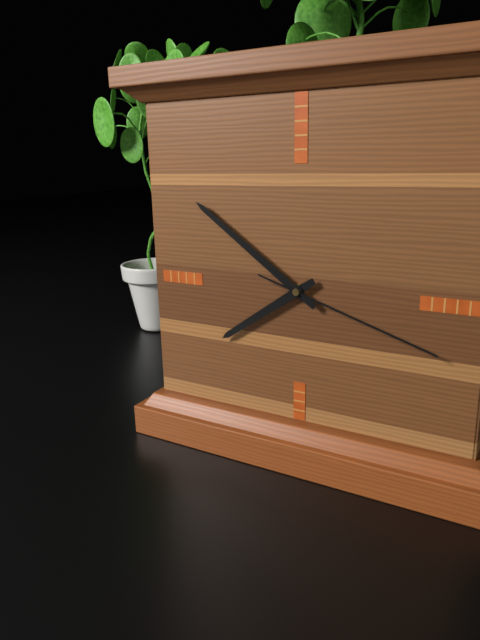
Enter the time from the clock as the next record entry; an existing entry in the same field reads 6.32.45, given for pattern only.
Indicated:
7.51.18
